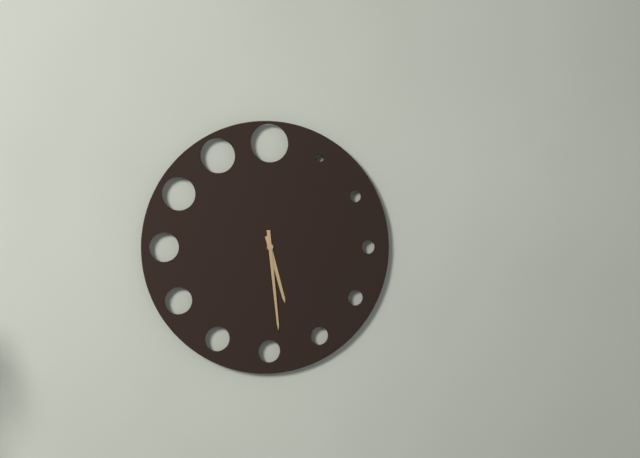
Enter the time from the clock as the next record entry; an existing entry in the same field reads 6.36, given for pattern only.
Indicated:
5.29
